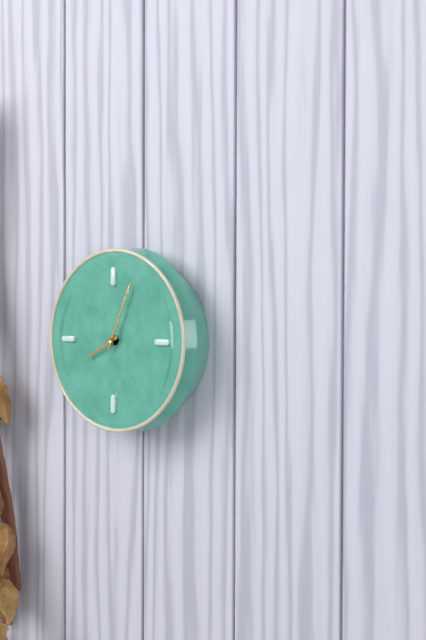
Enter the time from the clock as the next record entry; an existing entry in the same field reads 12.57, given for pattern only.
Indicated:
8.04
